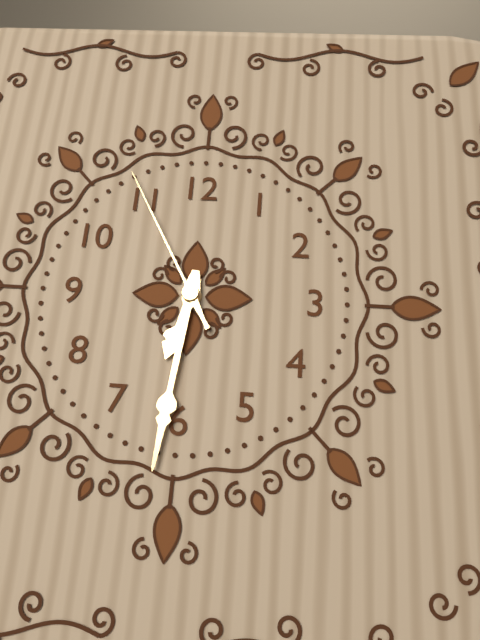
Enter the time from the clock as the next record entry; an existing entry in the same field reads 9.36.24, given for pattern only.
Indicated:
6.31.55
